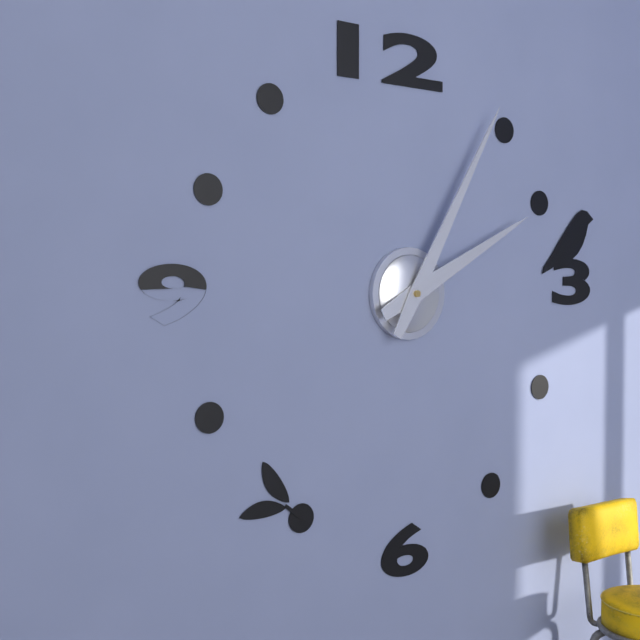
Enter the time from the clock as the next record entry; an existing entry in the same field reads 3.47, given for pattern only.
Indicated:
2.05
